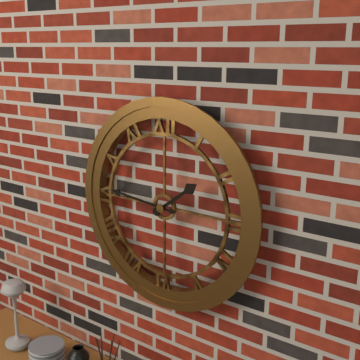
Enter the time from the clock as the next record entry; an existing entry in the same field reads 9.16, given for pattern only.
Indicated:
1.46
